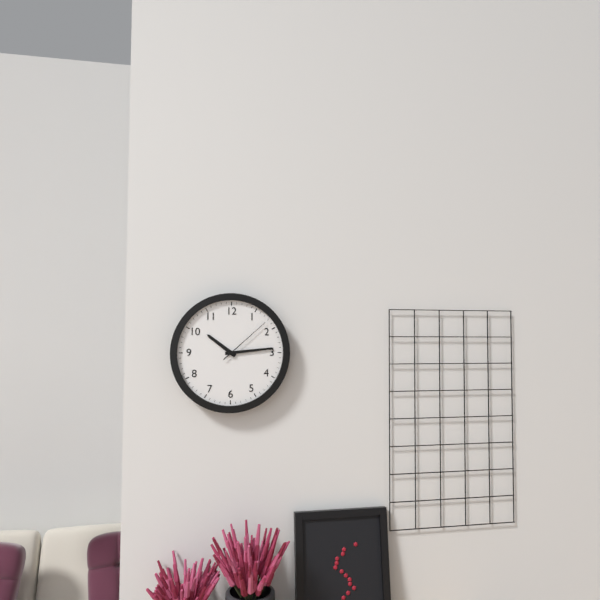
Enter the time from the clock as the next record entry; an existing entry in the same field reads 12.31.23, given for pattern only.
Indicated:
10.14.08
